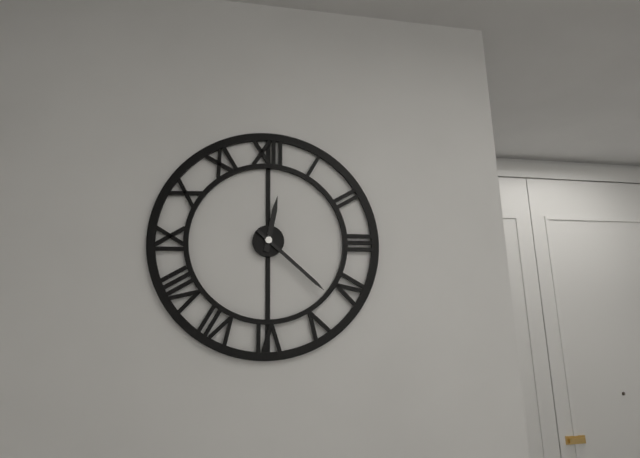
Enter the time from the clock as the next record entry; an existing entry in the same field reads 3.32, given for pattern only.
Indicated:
12.22
